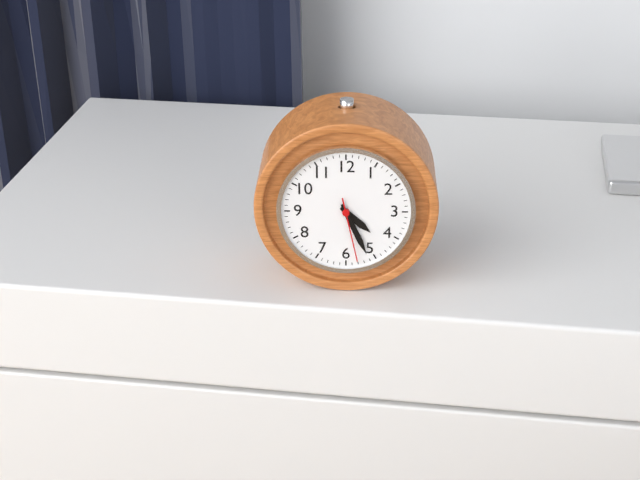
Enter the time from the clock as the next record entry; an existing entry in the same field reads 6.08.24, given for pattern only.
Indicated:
4.26.28
